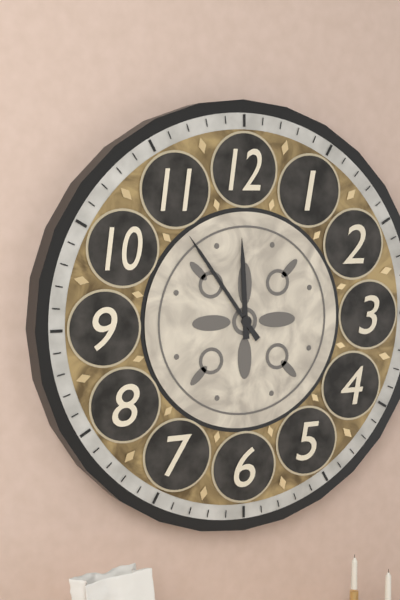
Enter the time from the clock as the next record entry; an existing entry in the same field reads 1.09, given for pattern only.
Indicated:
11.54
